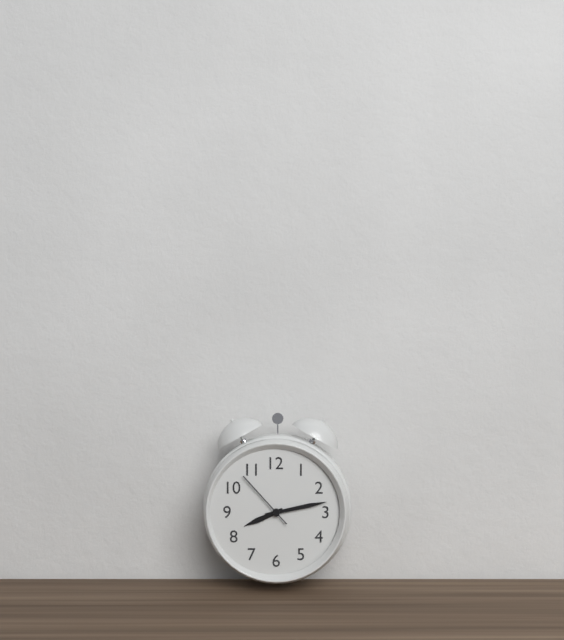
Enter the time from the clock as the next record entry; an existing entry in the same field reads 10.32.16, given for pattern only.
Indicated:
8.13.53
